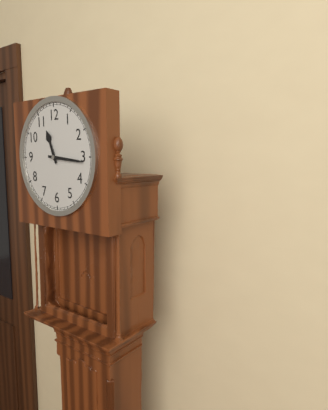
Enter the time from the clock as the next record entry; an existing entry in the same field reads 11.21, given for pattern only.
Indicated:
11.16
